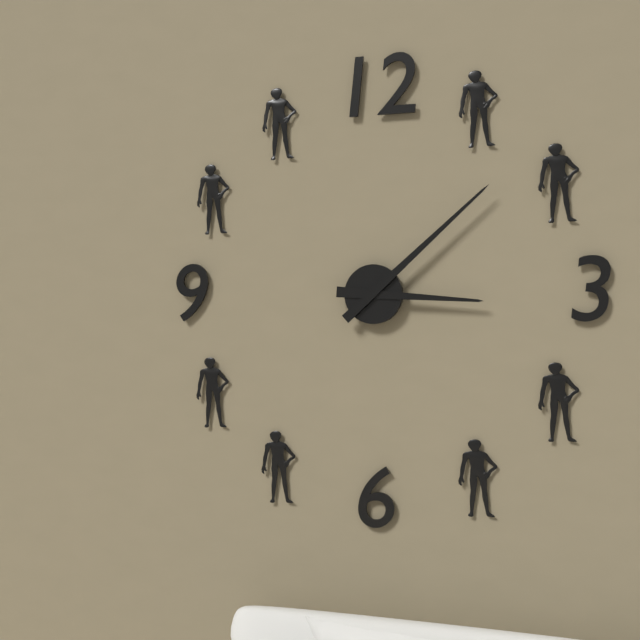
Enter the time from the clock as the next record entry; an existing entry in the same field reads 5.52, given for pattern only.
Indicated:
3.08
